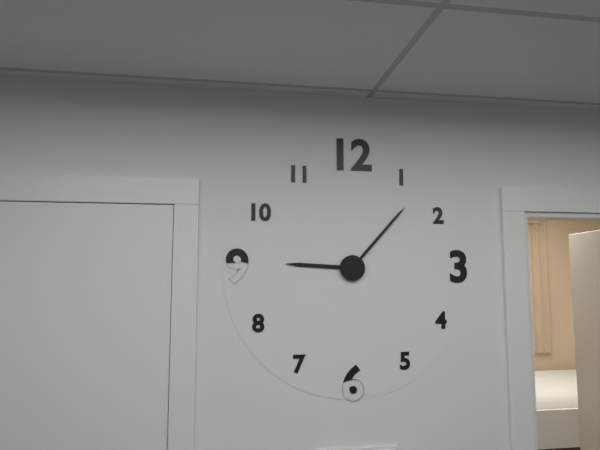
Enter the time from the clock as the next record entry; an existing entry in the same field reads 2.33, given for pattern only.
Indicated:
9.07
